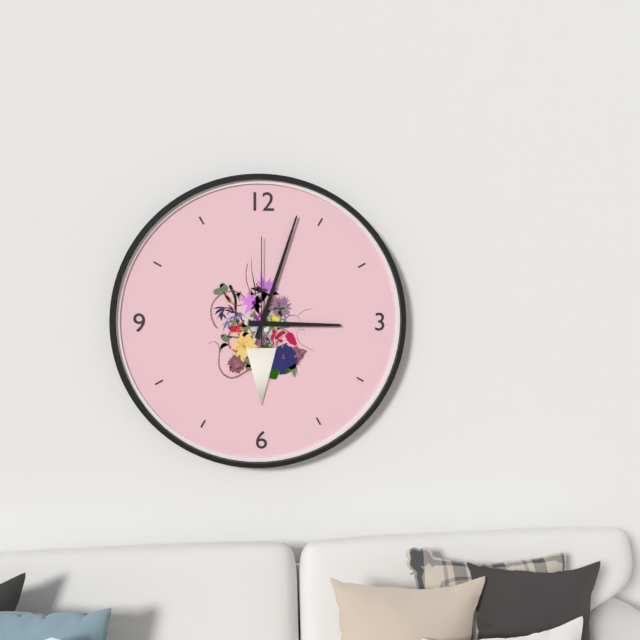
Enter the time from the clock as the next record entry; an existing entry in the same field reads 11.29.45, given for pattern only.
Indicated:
3.03.00
